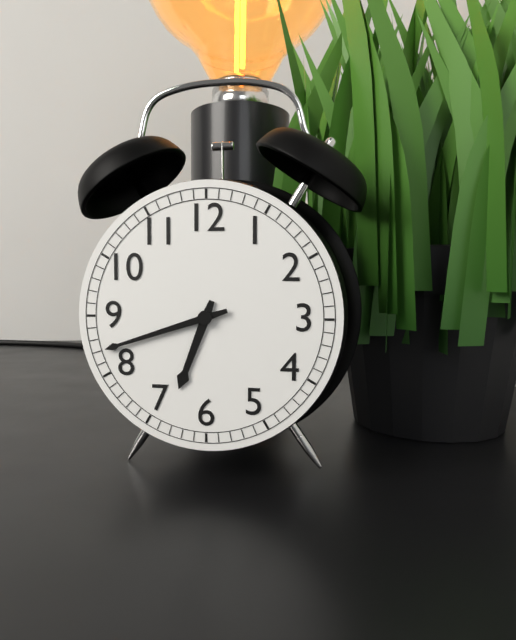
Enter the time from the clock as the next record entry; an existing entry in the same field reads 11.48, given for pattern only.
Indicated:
6.42
